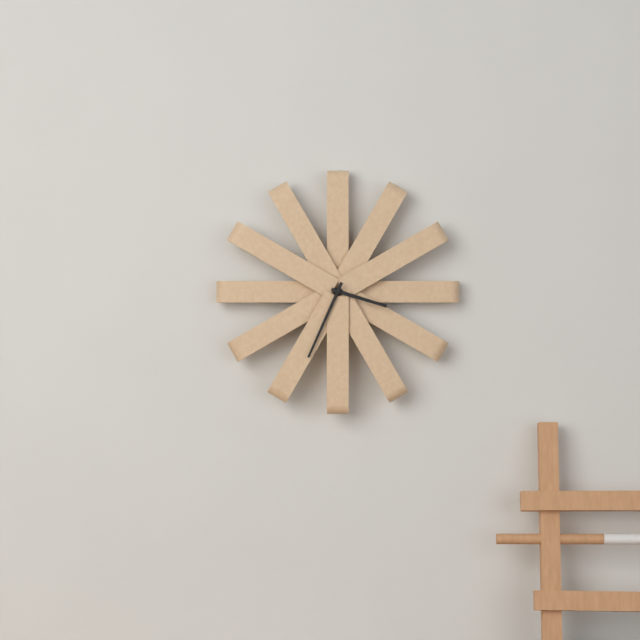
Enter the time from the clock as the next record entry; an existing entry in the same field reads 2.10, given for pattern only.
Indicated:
3.34
